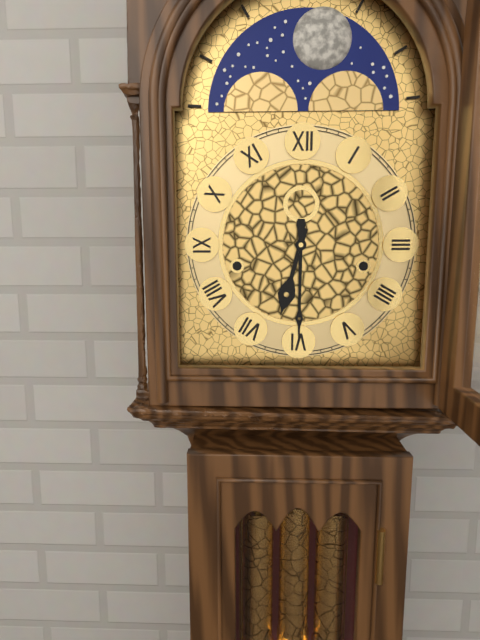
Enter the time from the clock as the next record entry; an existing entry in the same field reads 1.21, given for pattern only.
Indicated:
6.30
